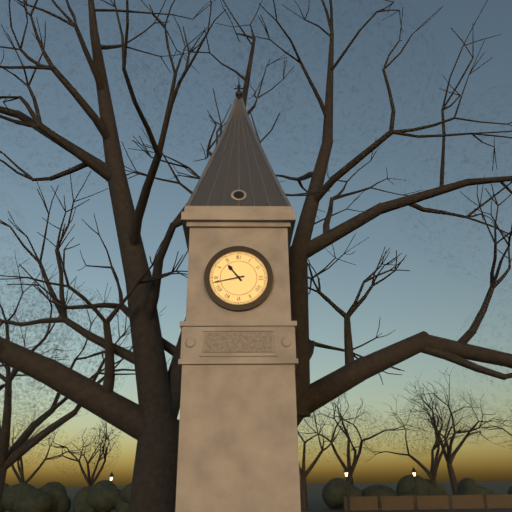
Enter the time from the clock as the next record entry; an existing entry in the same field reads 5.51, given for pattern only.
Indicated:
10.43
